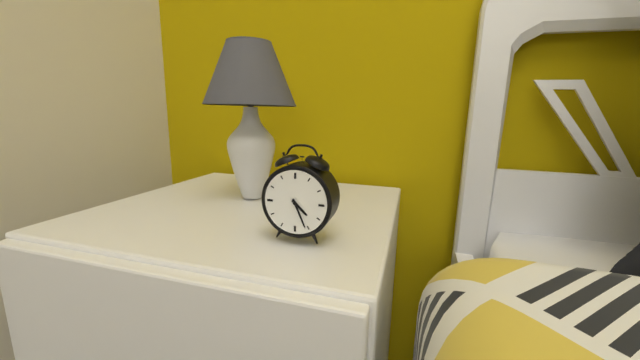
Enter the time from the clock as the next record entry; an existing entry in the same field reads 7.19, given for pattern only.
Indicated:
4.26
